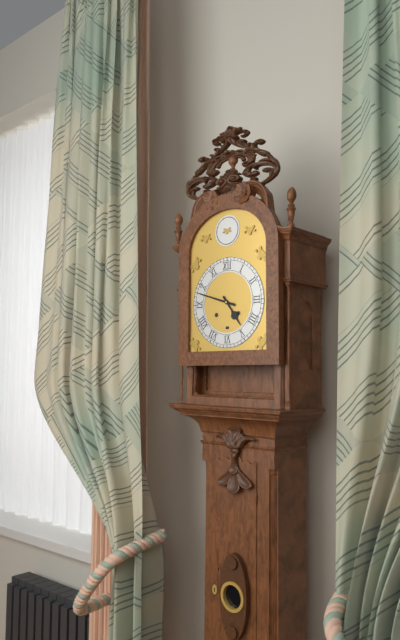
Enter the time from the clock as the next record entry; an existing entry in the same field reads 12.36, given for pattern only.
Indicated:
4.48
